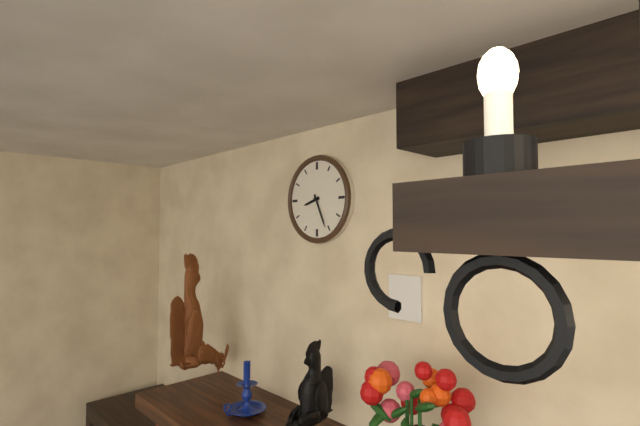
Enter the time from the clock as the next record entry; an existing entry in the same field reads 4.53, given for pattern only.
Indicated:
8.26
